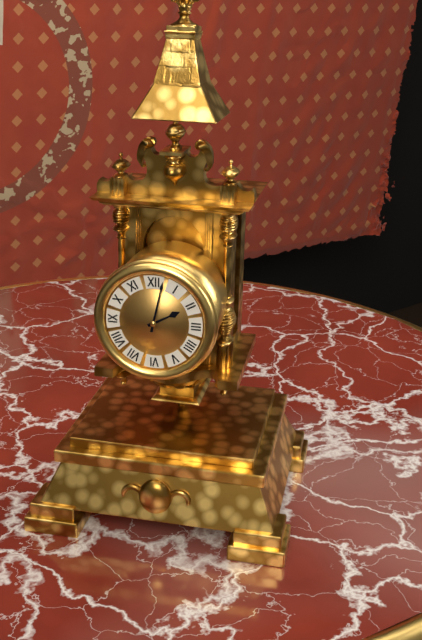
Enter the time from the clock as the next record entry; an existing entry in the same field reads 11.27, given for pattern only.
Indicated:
2.02
